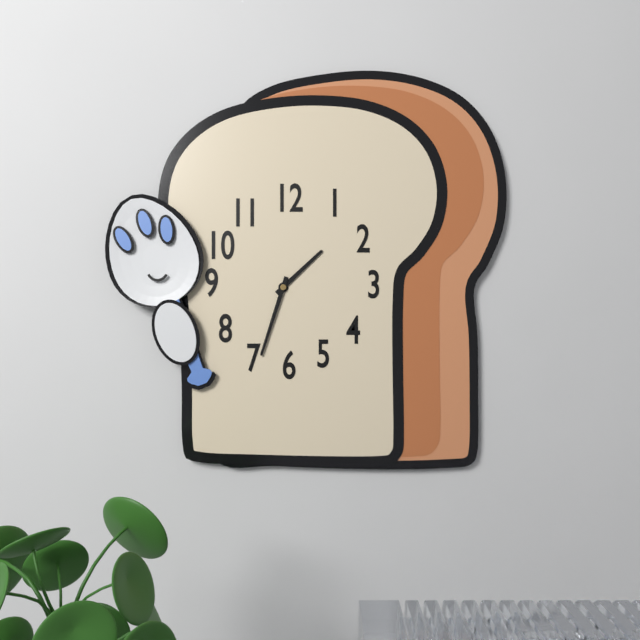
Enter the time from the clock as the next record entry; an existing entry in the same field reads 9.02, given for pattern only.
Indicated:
1.33
